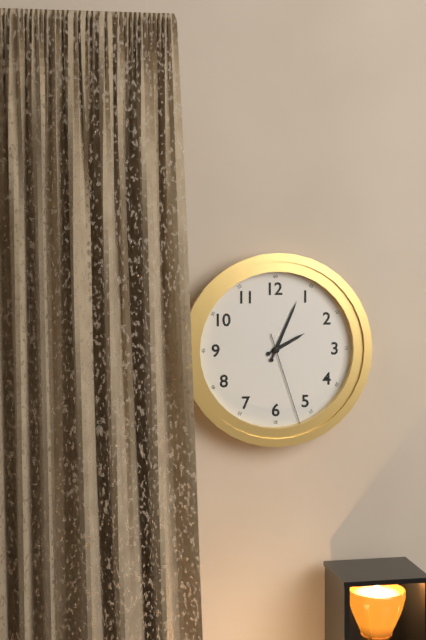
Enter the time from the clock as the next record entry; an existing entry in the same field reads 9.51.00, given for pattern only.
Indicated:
2.04.27
